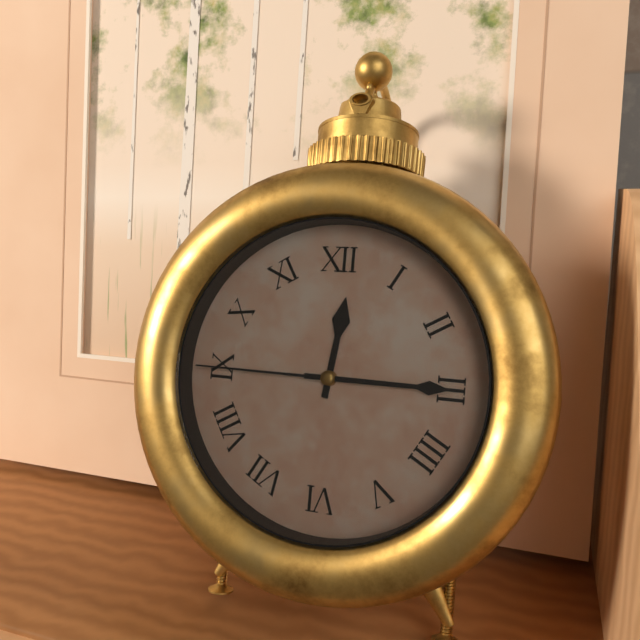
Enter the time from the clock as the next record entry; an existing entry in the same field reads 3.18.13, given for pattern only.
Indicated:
12.15.45
